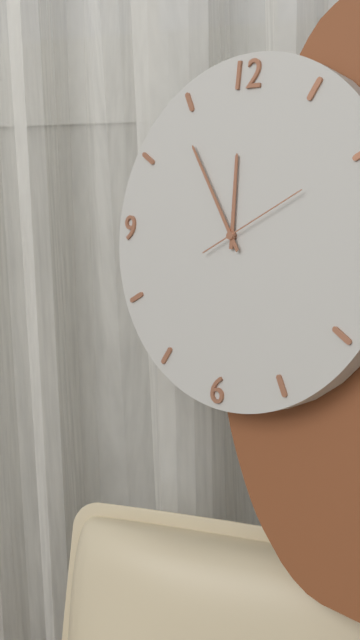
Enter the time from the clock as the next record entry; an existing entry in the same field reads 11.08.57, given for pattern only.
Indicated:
11.54.10
